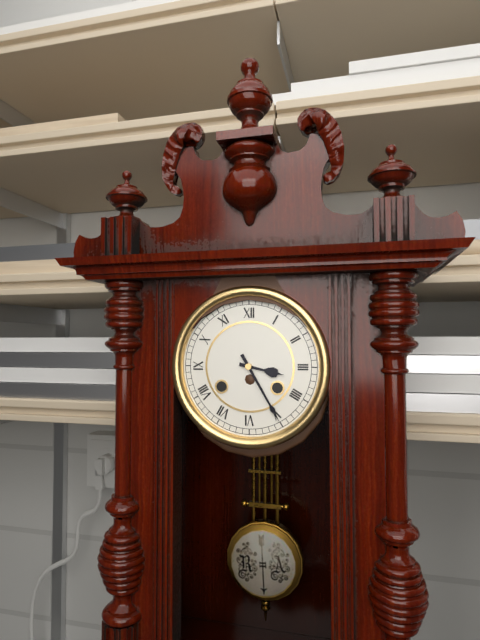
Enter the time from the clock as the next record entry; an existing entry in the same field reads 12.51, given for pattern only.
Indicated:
3.25
